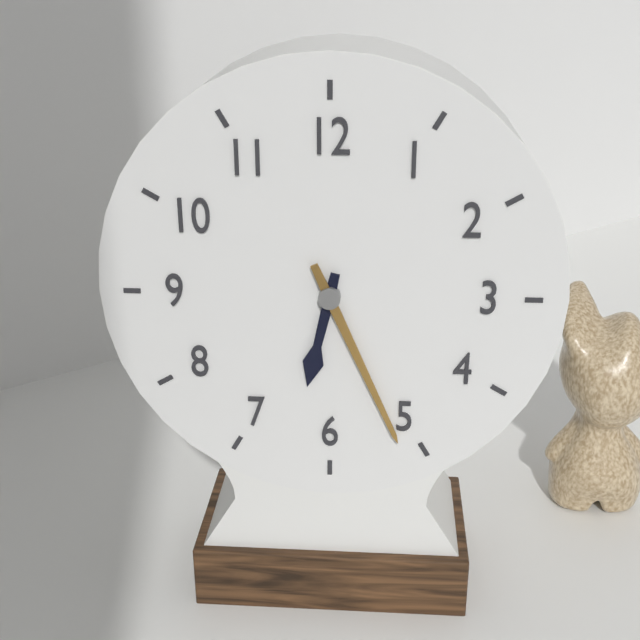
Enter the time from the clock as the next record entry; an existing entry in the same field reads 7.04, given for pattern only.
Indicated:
6.26
